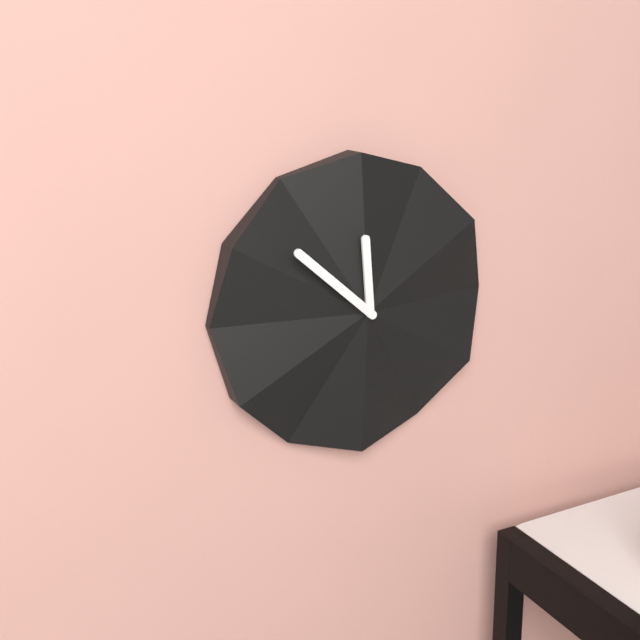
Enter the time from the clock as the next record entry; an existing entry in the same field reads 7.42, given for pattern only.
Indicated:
11.52
